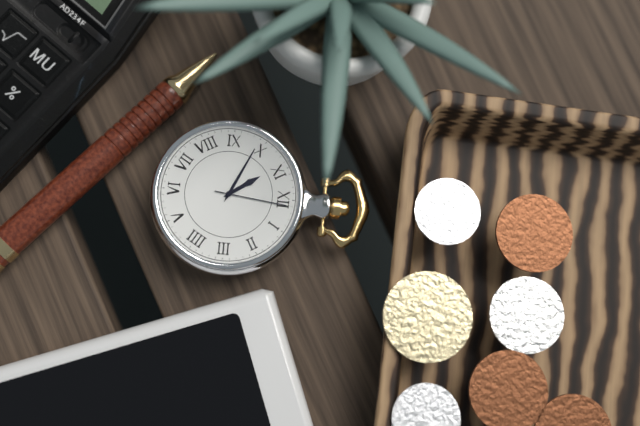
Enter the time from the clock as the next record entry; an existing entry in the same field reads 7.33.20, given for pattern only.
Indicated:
10.49.01
